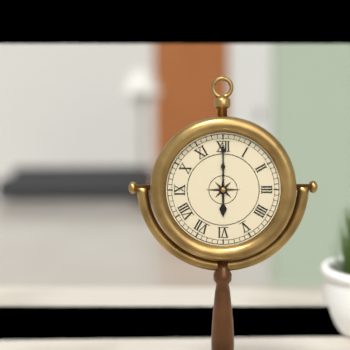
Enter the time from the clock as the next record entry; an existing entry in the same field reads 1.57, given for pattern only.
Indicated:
6.00
